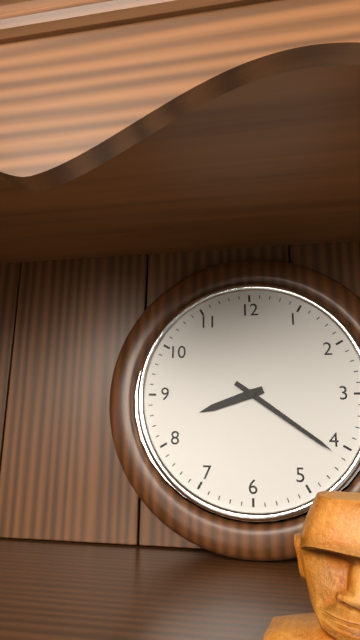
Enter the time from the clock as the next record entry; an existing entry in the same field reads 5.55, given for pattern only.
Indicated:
8.21
